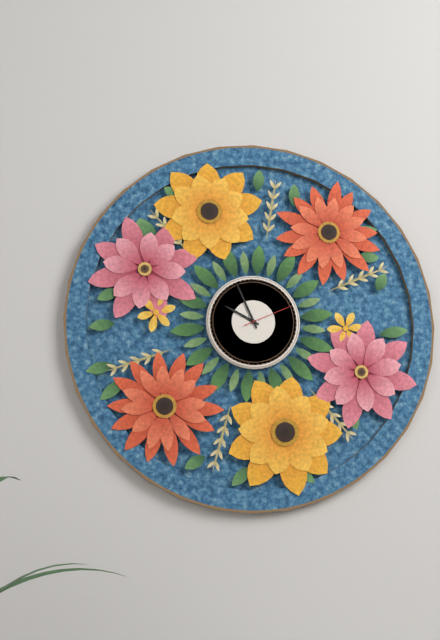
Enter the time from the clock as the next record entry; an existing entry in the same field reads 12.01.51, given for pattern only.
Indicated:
9.56.11
